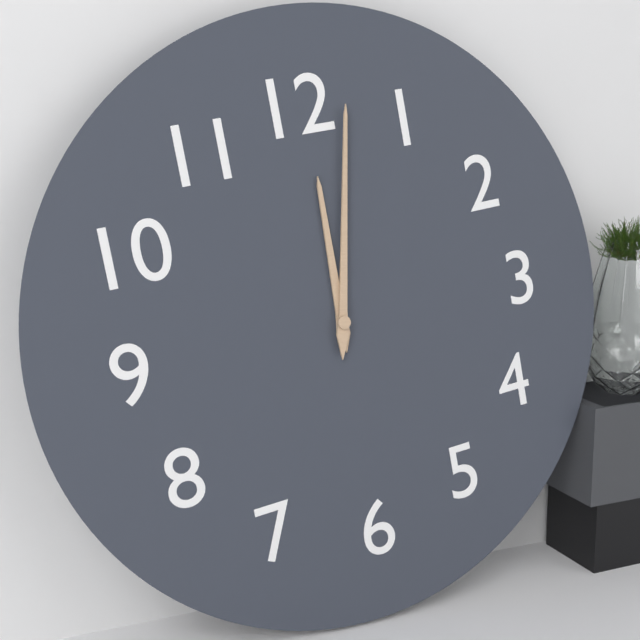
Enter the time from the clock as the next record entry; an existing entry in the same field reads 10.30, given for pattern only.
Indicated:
12.02
